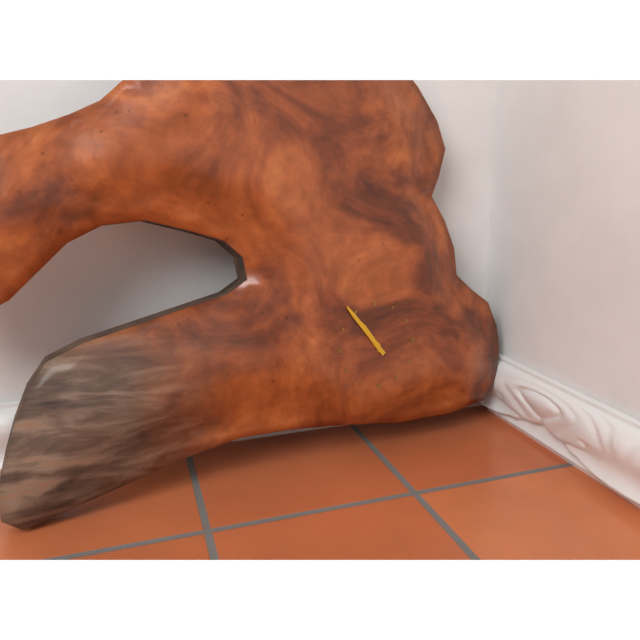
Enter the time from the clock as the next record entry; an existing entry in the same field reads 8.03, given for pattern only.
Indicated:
10.54
